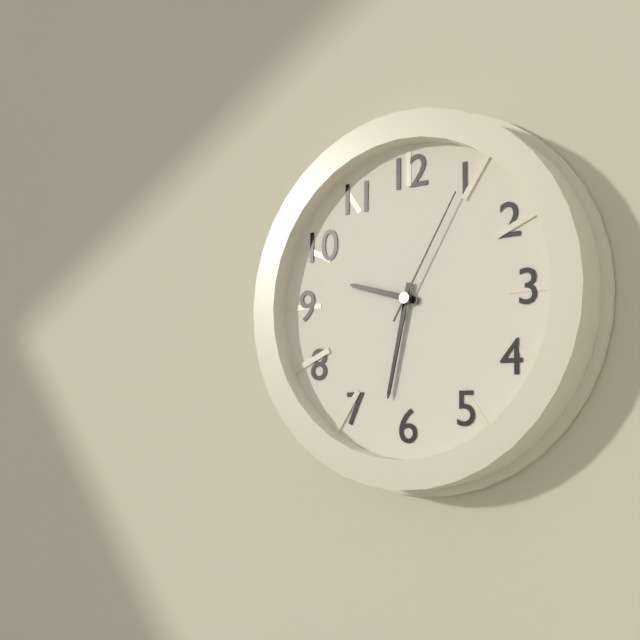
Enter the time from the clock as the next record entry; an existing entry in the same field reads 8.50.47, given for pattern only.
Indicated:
9.32.05
